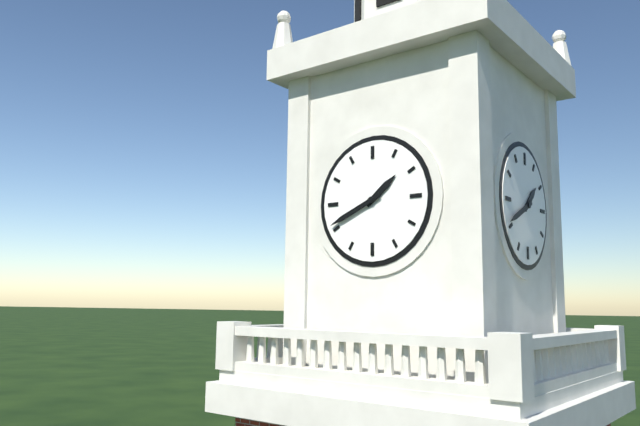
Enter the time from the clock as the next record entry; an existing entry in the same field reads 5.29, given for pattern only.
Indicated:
1.41
